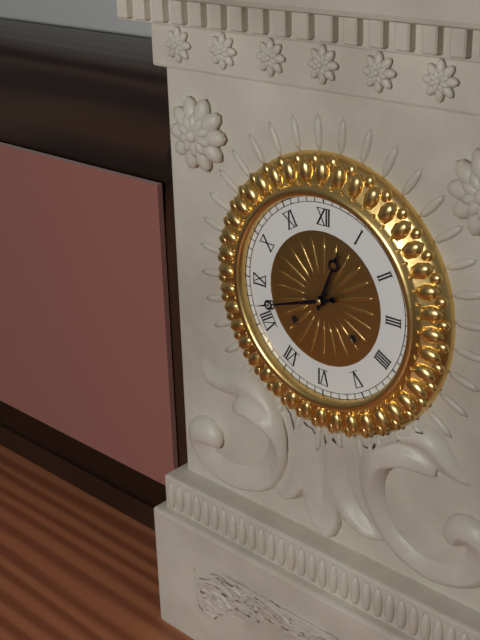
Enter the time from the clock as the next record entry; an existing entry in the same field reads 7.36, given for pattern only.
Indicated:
12.42
